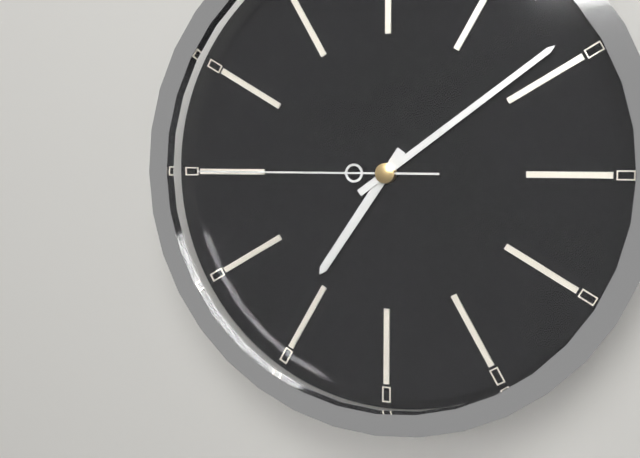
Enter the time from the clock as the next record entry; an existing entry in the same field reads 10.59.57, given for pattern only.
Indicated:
7.09.45
